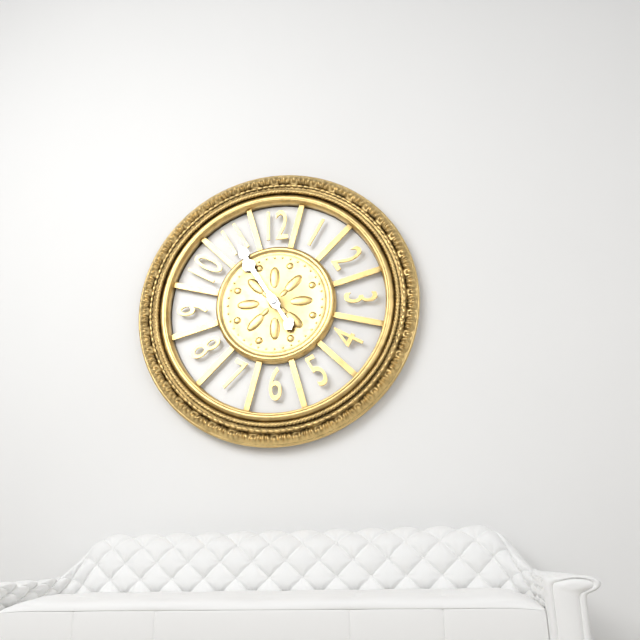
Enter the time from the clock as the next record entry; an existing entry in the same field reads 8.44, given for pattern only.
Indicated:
10.55
